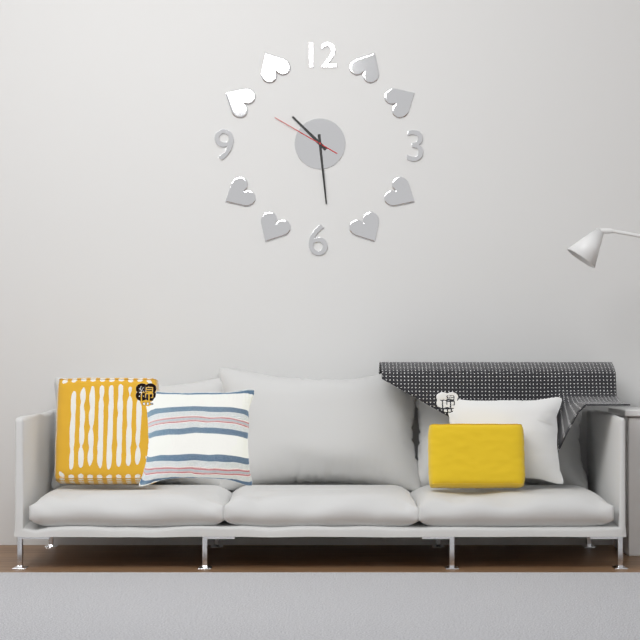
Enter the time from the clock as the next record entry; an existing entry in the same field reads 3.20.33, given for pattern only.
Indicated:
10.29.50
